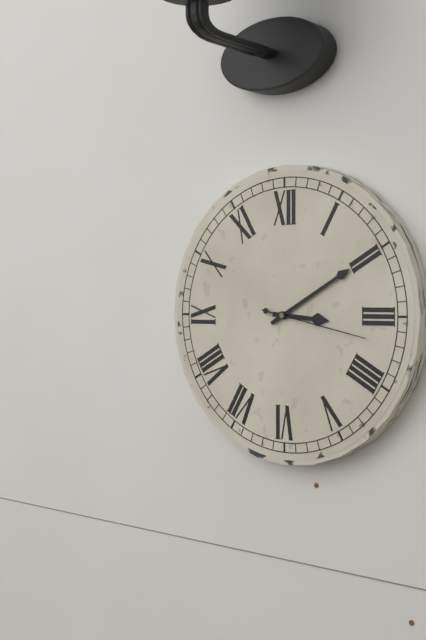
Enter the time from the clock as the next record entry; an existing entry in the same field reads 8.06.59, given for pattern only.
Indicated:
3.10.17
